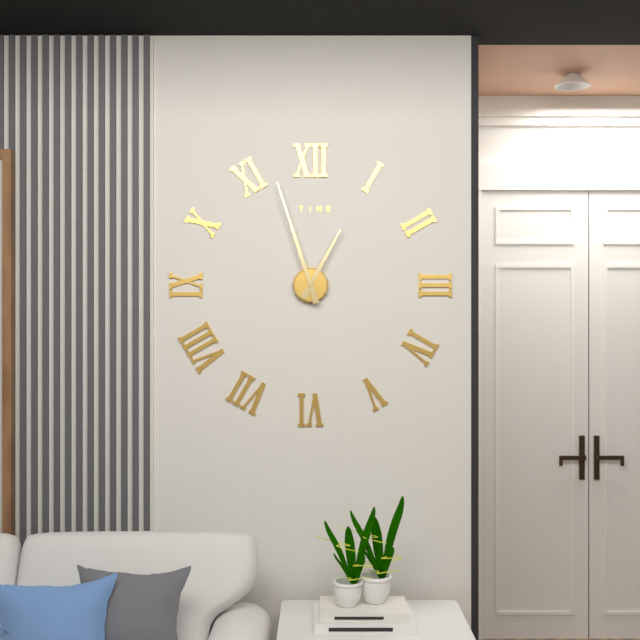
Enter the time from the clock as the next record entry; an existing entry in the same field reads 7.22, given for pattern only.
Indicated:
12.57
